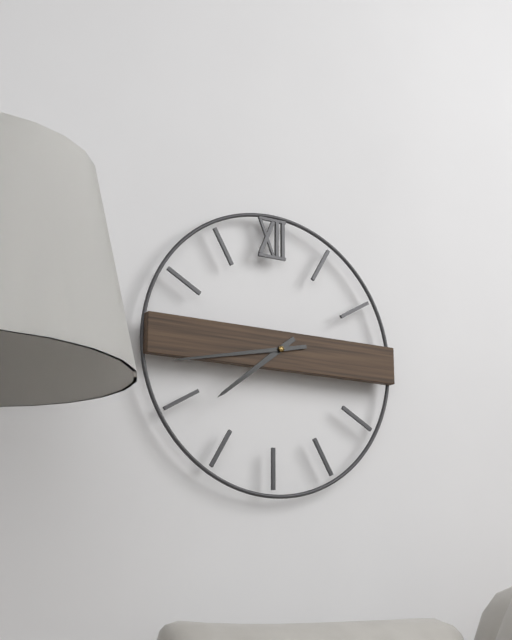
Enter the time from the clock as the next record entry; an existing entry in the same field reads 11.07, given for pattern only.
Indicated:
7.43
